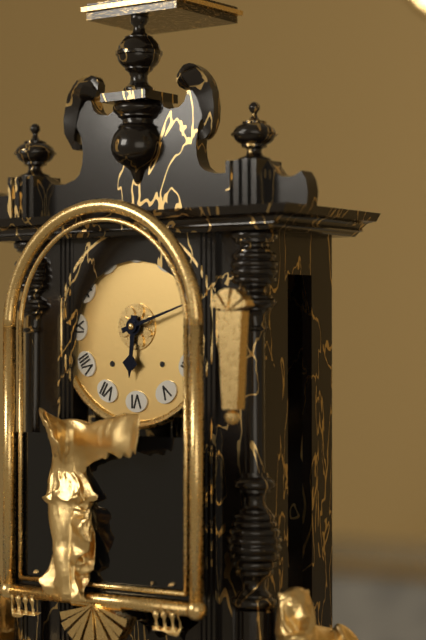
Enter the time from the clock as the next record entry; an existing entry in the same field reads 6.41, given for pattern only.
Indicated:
6.12
